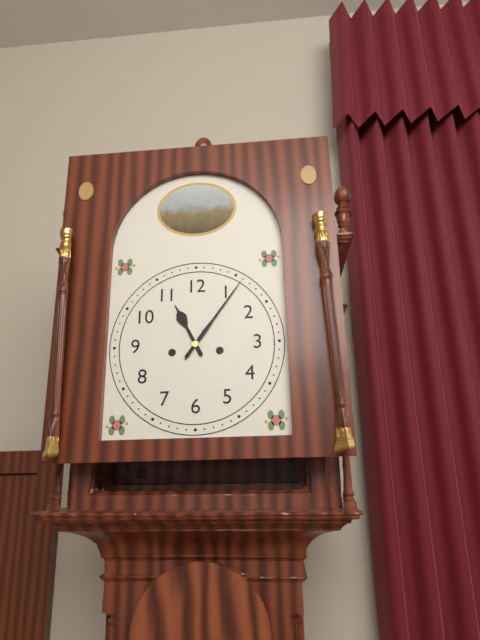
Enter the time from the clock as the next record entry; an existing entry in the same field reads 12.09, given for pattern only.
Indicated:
11.06
